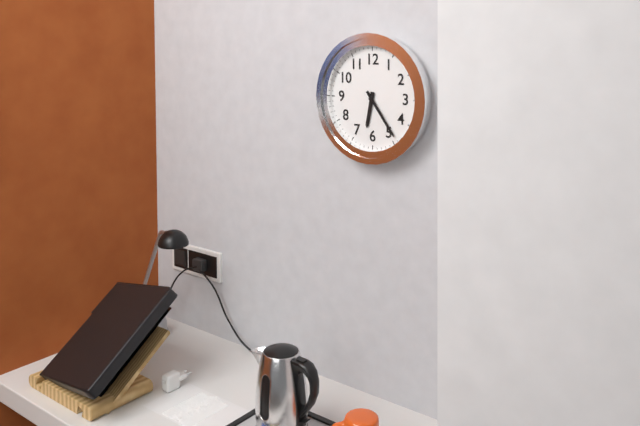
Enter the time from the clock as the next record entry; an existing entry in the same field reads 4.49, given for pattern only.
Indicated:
6.24
